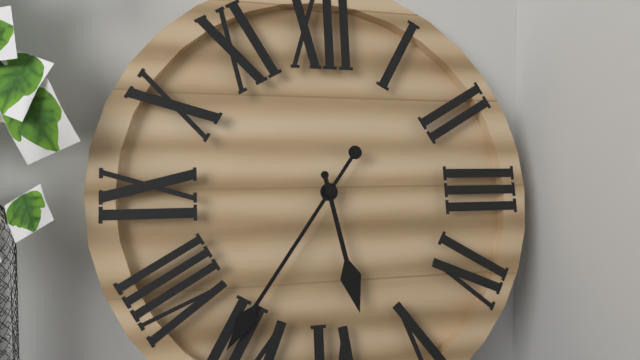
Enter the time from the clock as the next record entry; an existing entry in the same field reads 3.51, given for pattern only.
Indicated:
5.36
